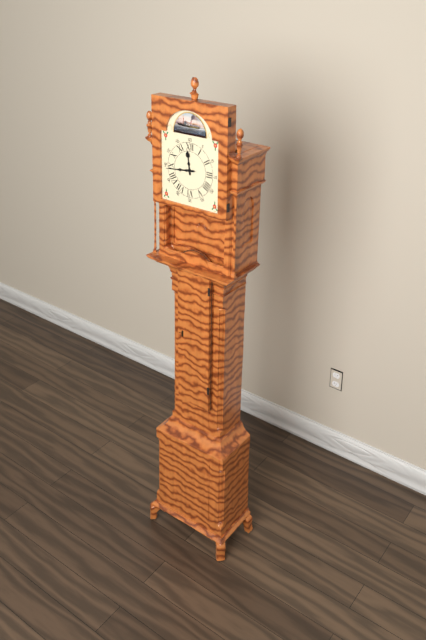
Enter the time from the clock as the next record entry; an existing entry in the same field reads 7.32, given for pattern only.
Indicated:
11.44
